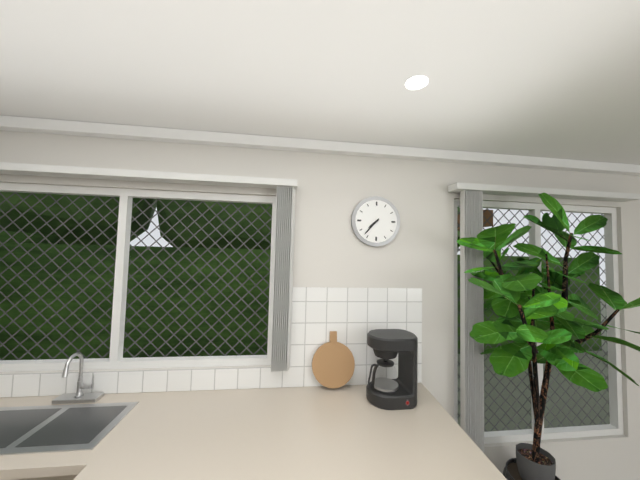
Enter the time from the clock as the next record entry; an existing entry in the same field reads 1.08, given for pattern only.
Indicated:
7.37
